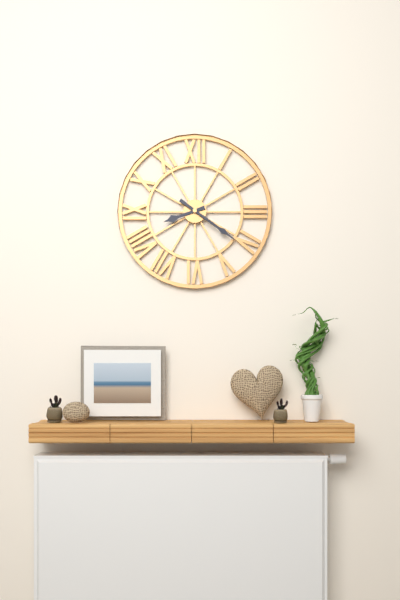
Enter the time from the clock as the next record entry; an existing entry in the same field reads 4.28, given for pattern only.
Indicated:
8.21
